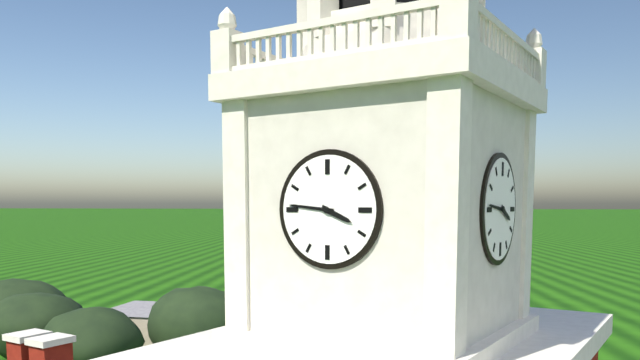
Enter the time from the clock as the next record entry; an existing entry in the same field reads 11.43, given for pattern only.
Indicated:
3.46
